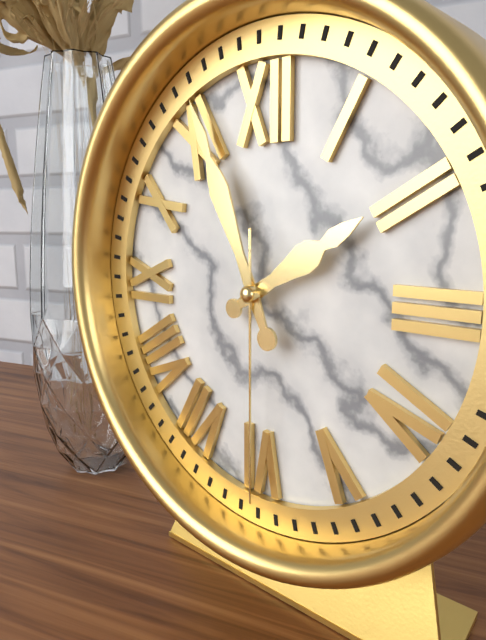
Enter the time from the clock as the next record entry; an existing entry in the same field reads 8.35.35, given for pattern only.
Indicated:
1.56.30
